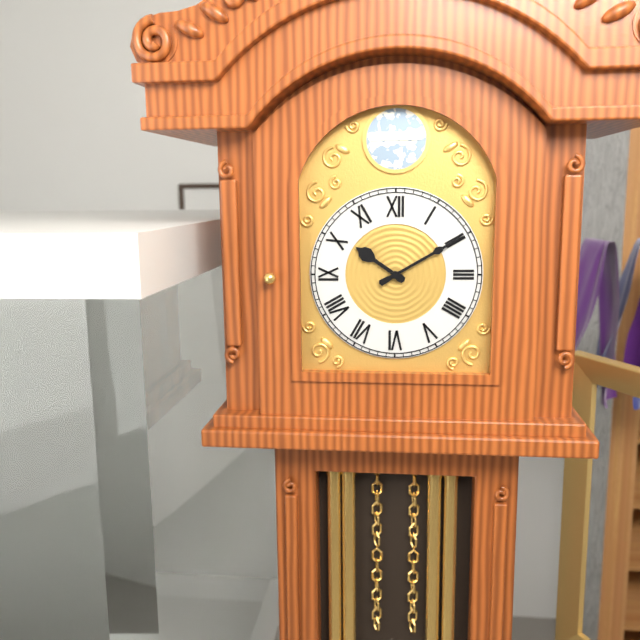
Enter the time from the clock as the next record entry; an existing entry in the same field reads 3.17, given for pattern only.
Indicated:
10.10
